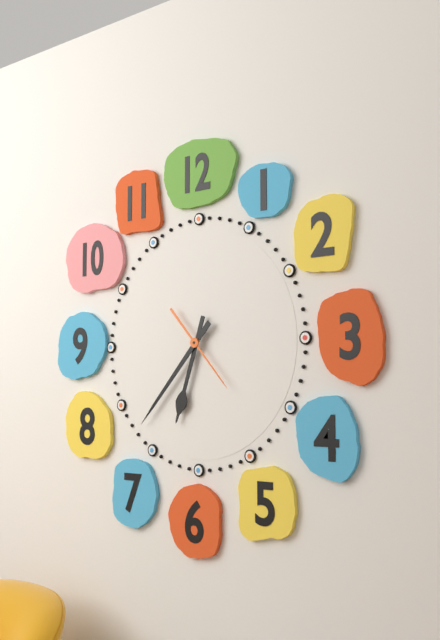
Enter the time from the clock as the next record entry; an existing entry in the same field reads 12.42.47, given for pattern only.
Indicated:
6.37.23
